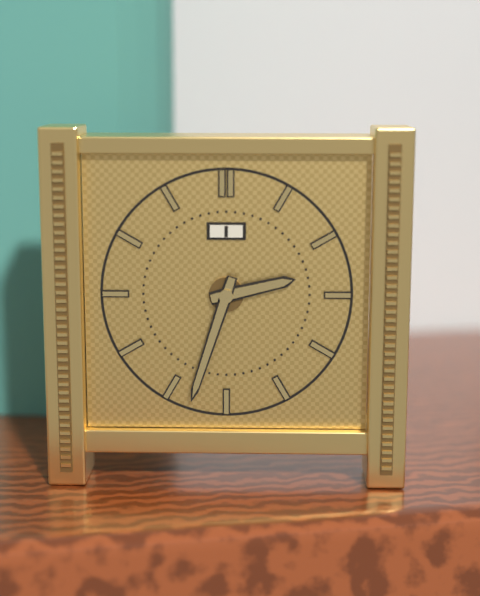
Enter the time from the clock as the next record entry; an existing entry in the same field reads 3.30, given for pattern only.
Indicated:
2.33
